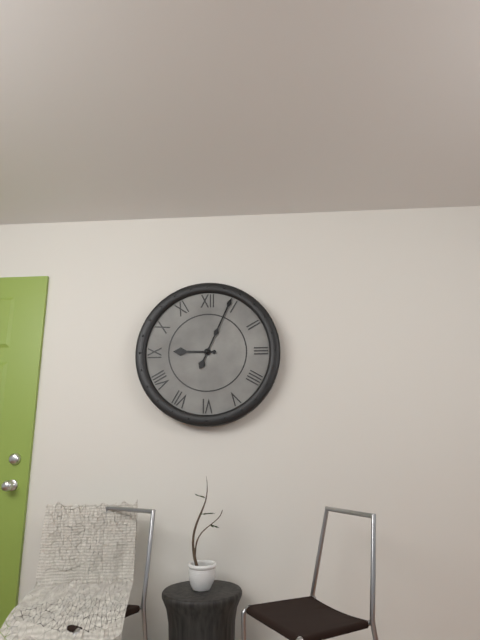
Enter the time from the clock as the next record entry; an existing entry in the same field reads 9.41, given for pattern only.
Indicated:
9.04
